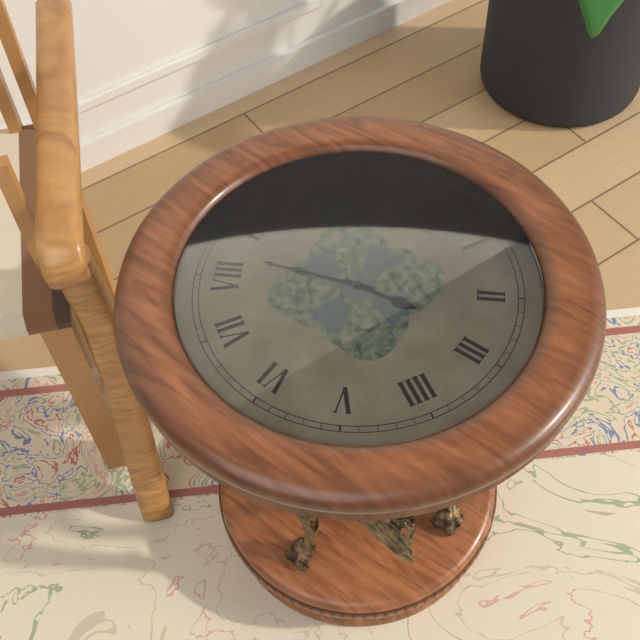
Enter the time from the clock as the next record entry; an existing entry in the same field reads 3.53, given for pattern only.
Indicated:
2.42
